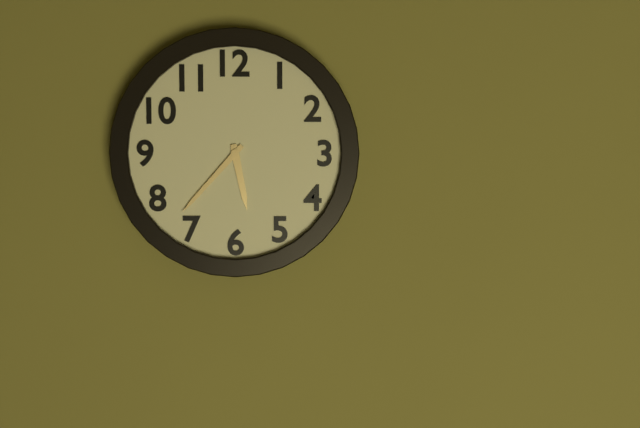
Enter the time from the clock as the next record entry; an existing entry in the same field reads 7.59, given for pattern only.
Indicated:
5.37
